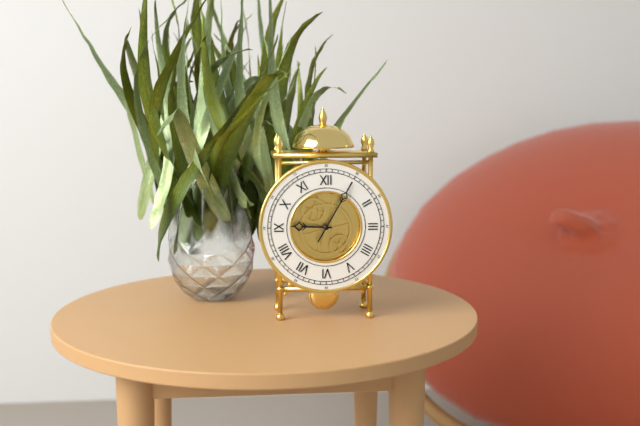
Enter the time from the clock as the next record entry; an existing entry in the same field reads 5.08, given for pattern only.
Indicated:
9.05
